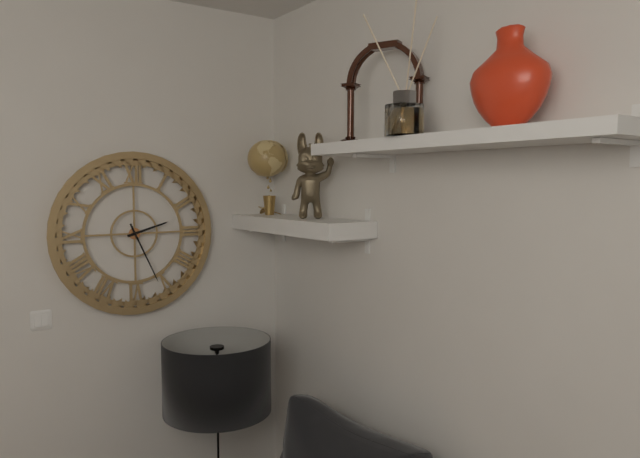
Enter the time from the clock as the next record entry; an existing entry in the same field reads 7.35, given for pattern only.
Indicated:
2.26
